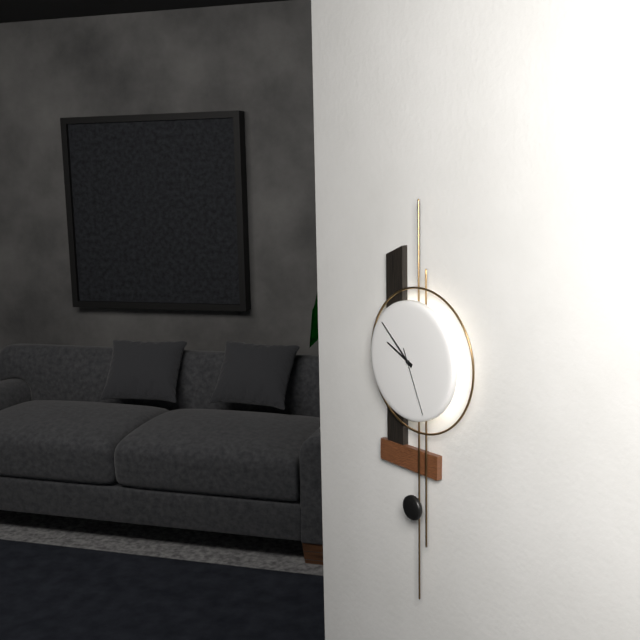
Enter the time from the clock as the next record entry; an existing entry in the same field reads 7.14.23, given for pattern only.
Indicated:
9.52.26
